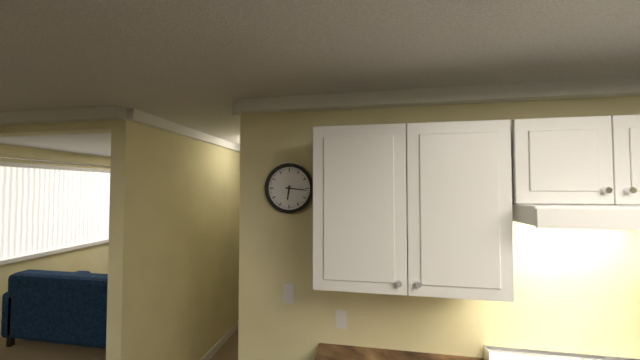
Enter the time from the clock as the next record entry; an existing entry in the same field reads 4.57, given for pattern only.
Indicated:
6.16
